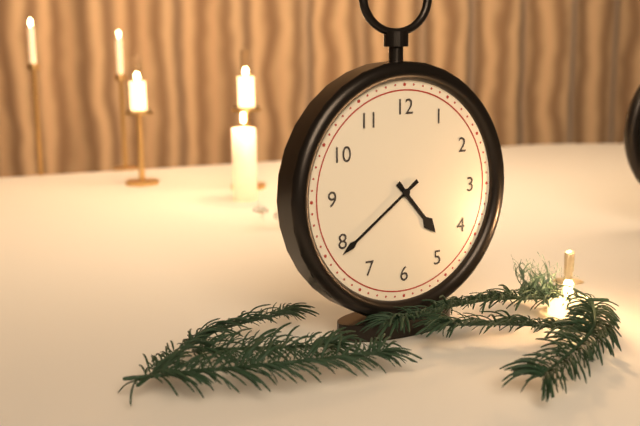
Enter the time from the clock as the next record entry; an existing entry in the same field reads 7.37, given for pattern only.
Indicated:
4.39
